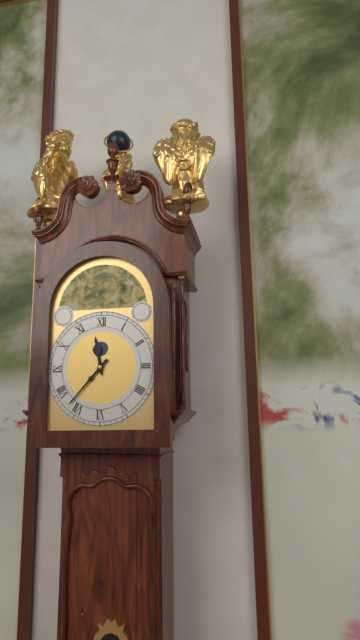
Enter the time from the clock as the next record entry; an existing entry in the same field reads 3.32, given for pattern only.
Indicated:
11.37
